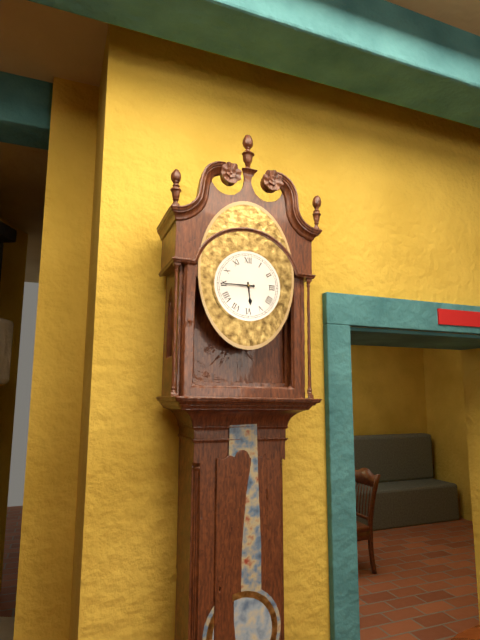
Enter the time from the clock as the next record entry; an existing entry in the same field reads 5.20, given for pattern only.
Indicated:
5.45
